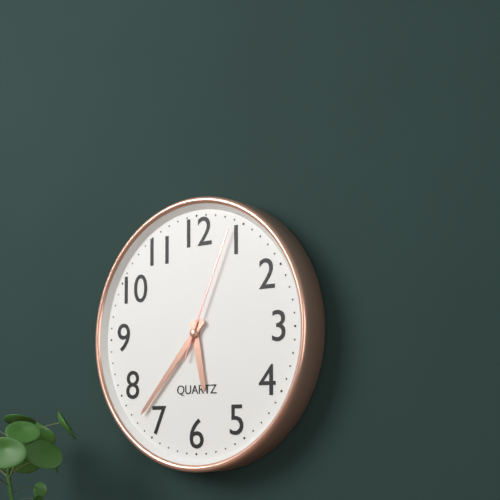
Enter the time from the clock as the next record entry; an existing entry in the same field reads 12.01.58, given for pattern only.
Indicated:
5.37.04
